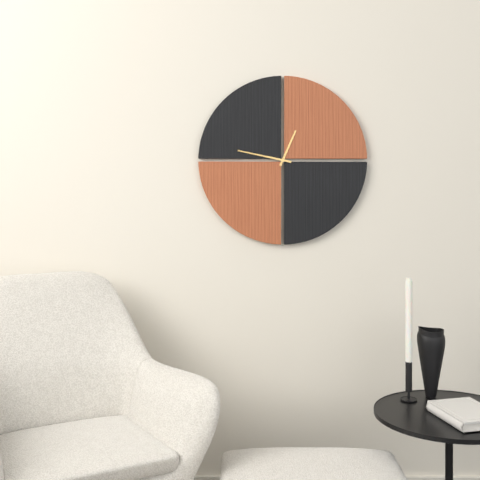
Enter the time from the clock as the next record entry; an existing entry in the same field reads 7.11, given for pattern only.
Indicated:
12.47
